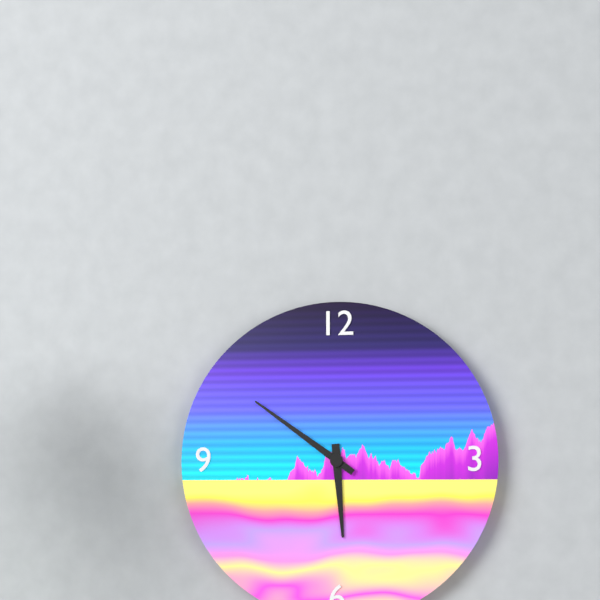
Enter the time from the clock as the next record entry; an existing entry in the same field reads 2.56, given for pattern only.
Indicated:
5.51
